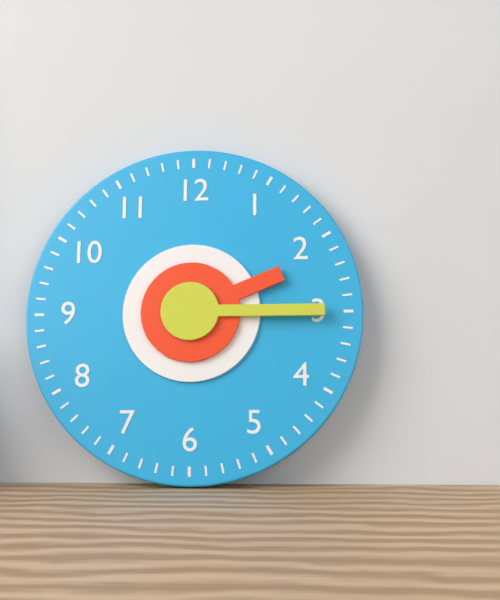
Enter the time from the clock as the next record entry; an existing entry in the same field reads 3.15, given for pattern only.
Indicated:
2.15
